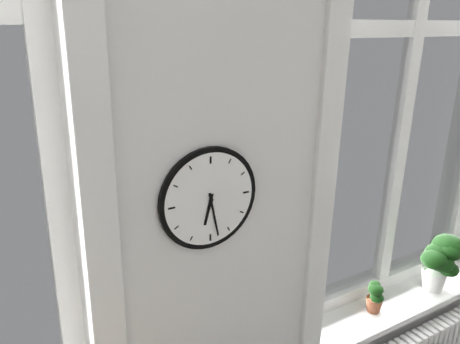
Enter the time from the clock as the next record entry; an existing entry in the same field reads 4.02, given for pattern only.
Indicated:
6.28
